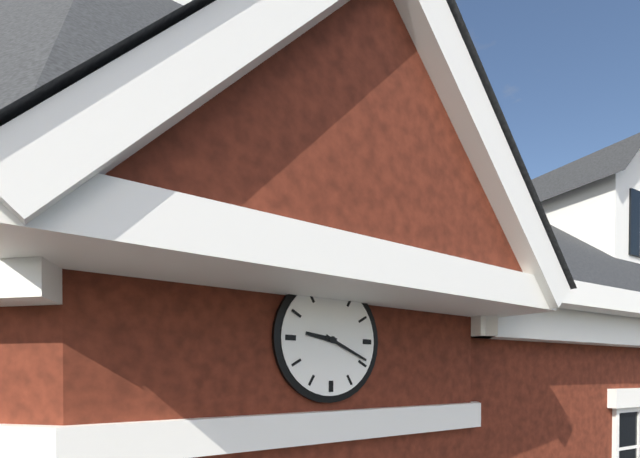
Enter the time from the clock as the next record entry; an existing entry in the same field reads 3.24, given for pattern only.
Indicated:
9.19
